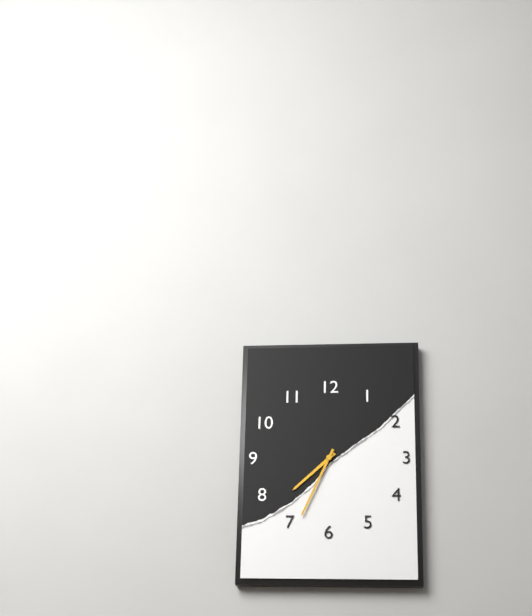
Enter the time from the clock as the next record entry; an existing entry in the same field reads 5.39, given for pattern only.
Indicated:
7.34
